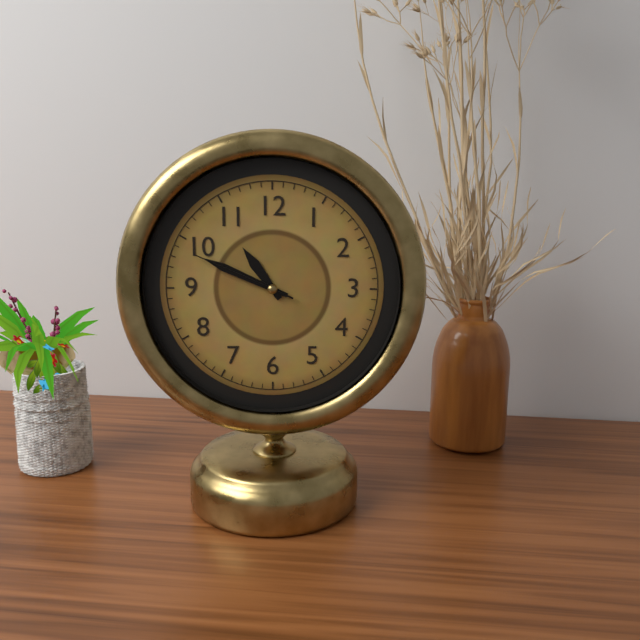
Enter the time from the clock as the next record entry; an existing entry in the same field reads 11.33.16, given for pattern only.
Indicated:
10.49.49
